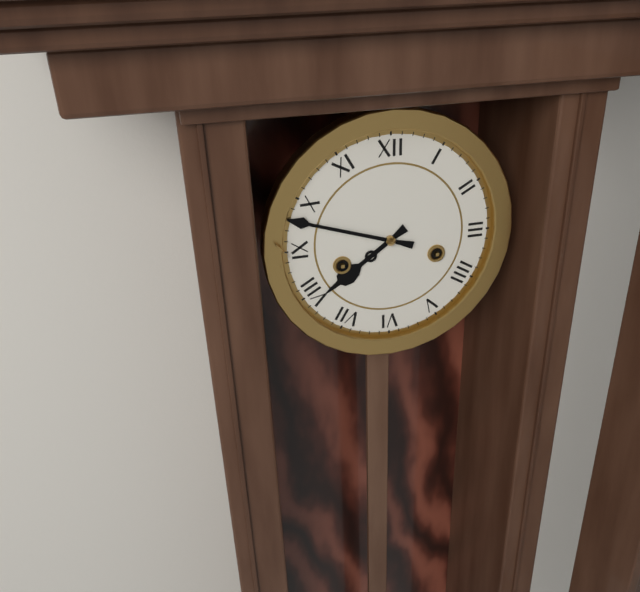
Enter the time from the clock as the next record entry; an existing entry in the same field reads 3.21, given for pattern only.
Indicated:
7.48
